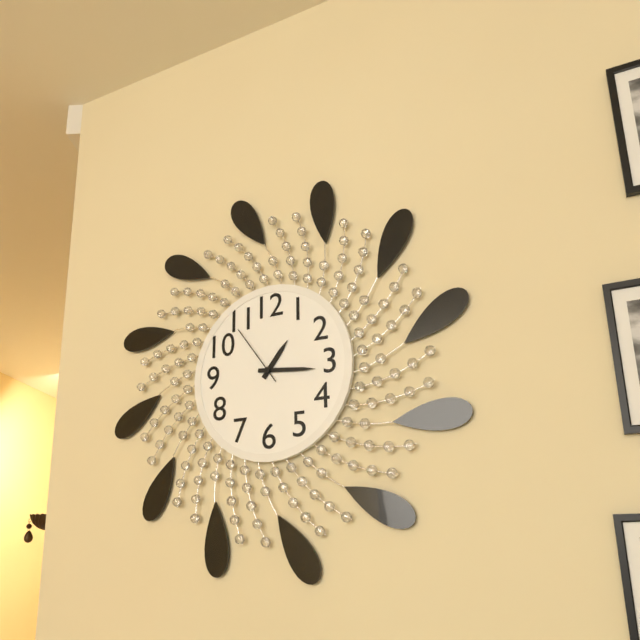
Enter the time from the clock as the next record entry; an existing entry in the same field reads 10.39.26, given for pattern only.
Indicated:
1.16.54
